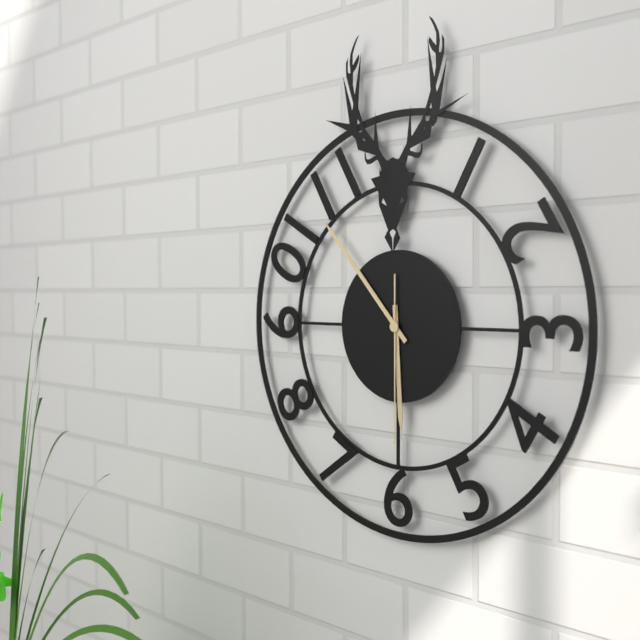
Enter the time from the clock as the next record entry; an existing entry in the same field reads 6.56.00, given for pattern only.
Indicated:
5.53.30
